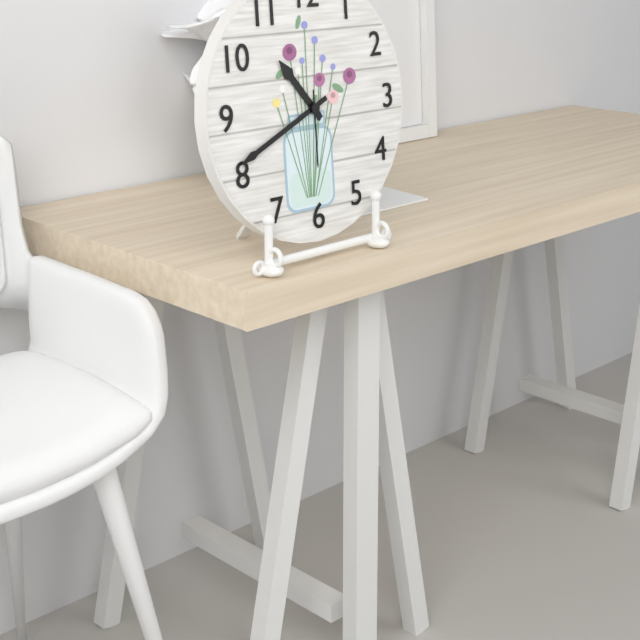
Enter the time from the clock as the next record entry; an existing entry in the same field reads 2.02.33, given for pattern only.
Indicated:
10.41.30
